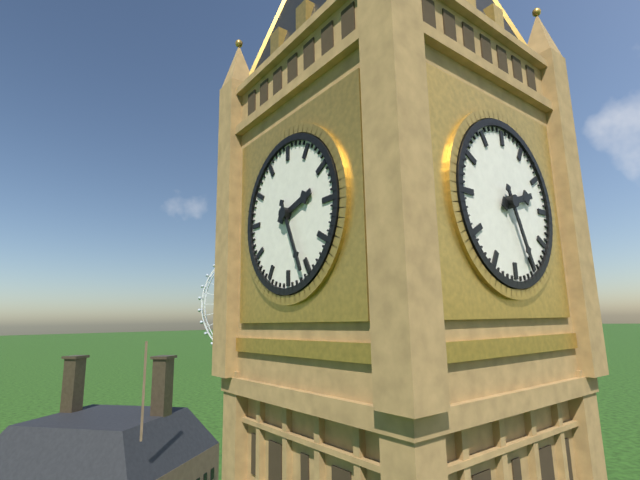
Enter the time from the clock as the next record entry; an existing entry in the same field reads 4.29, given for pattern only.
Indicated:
2.26
